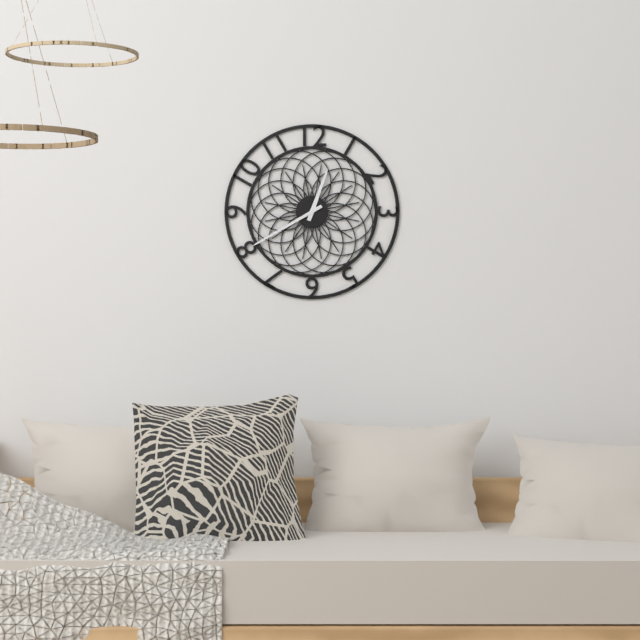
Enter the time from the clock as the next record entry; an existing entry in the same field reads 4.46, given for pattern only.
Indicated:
12.40
